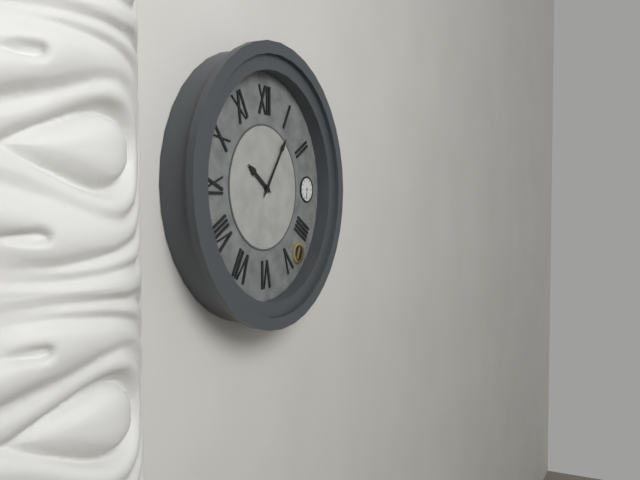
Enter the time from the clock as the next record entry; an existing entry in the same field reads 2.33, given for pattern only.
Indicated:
10.06
